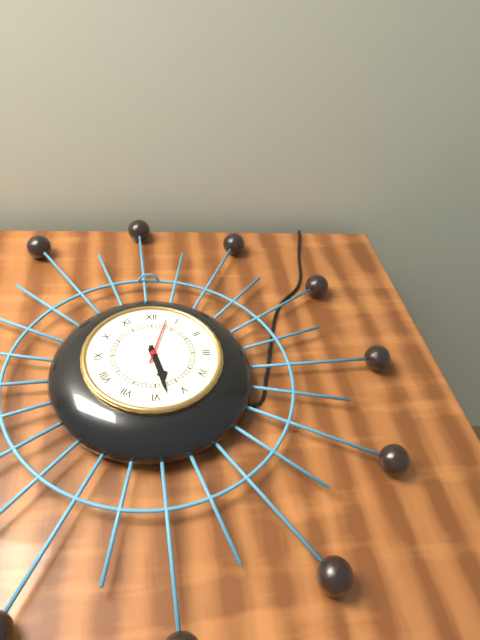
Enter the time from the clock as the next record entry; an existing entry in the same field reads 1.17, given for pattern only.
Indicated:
5.28
